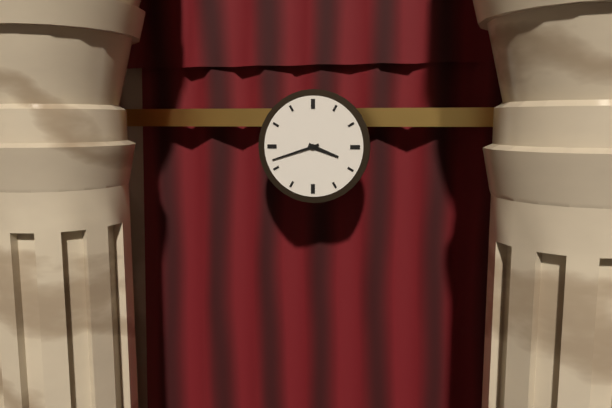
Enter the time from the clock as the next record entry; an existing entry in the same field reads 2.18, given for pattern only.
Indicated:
3.42
